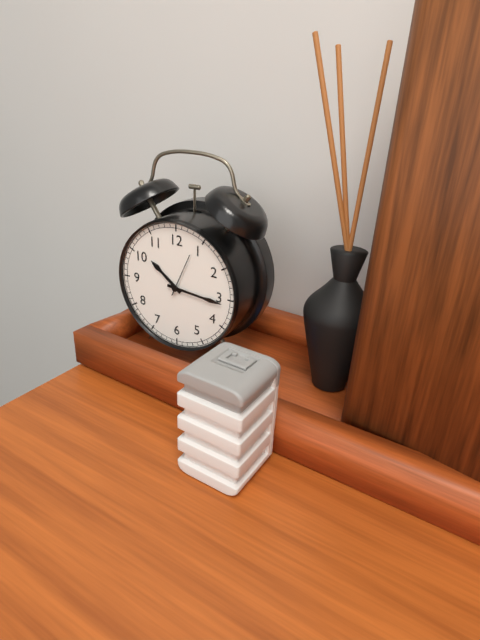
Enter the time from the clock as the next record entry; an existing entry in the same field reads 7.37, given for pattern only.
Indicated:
10.16
